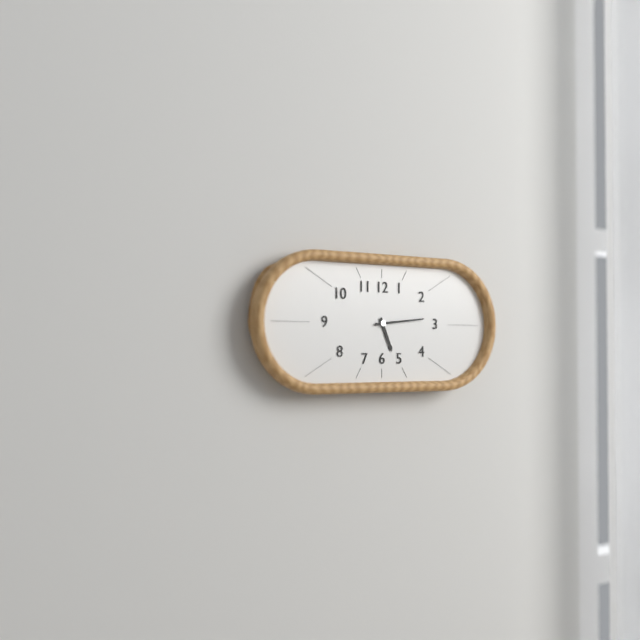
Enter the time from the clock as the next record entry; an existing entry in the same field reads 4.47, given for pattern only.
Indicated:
5.14
